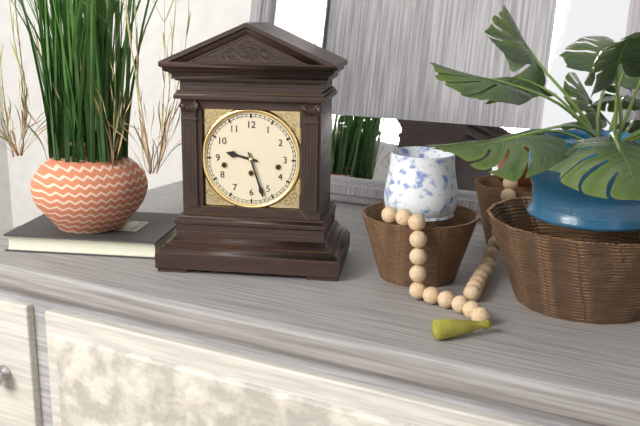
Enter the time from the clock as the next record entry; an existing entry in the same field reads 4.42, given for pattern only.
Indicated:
9.27
